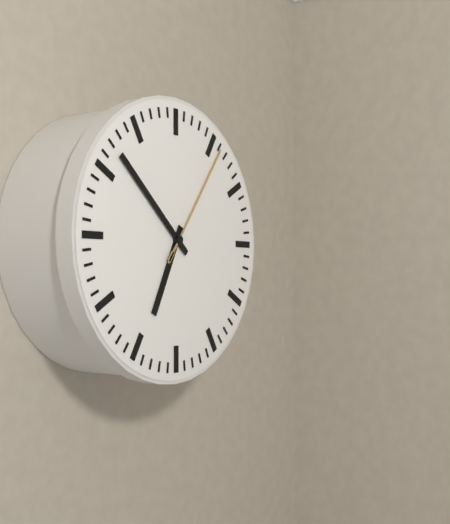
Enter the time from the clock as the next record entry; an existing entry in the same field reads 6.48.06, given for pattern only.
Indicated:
6.52.06
